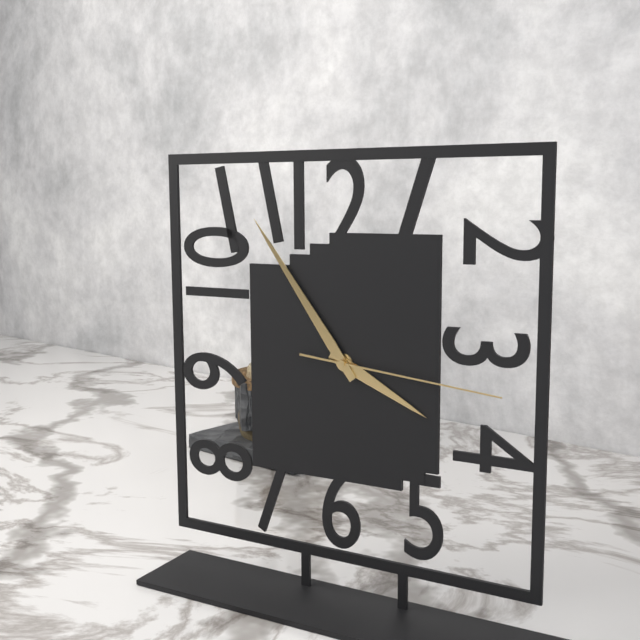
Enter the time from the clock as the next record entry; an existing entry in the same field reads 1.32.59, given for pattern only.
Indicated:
3.54.16
